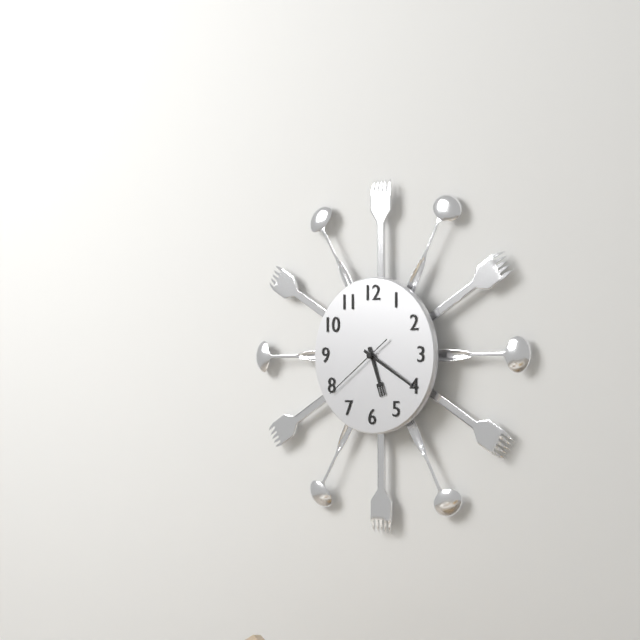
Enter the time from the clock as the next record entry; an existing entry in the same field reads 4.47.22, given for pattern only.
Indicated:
5.20.39
